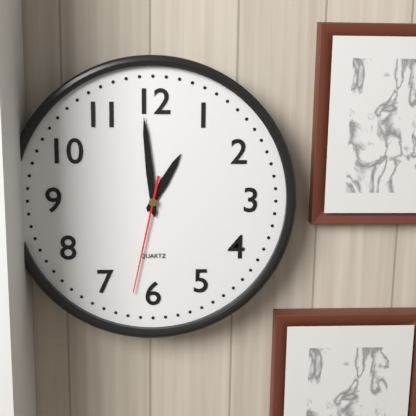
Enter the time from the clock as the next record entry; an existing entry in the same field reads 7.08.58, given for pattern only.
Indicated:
12.59.32
